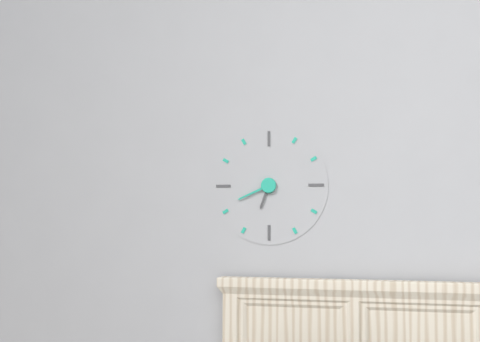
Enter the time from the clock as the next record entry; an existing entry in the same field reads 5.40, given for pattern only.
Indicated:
6.41
